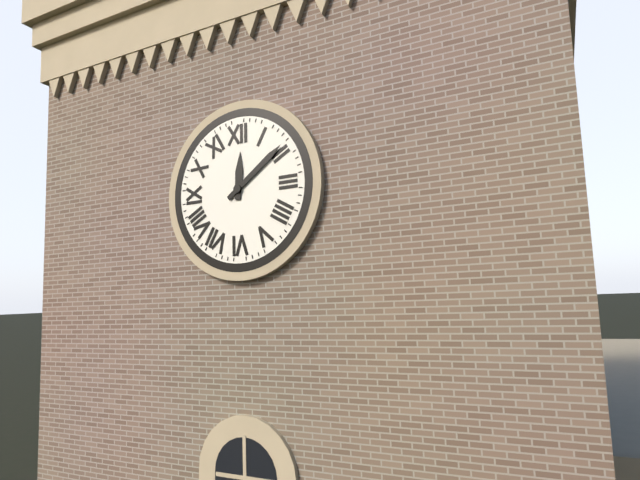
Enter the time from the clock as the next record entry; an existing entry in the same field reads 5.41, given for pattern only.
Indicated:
12.09
